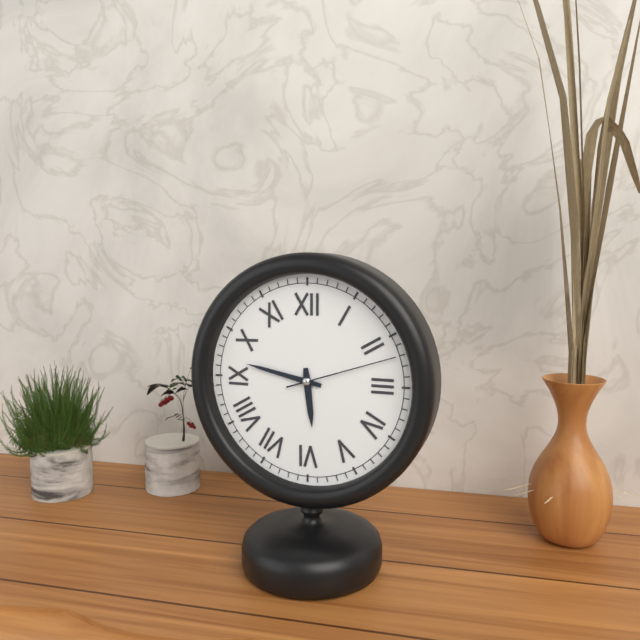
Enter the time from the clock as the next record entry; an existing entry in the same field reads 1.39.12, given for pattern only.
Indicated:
5.47.12
